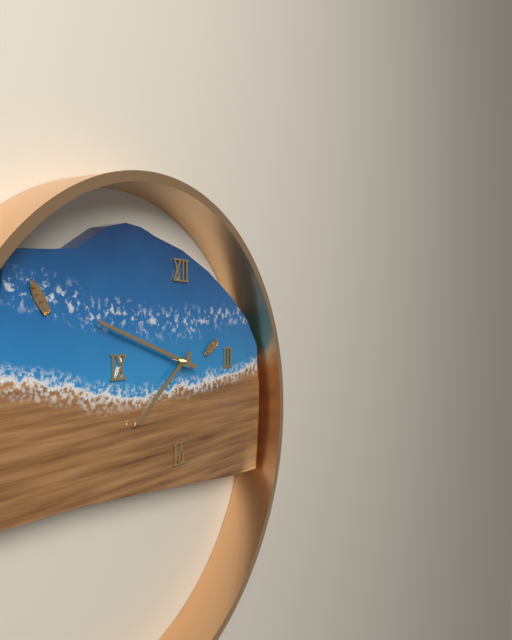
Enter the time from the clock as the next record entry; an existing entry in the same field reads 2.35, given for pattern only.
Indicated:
7.48
